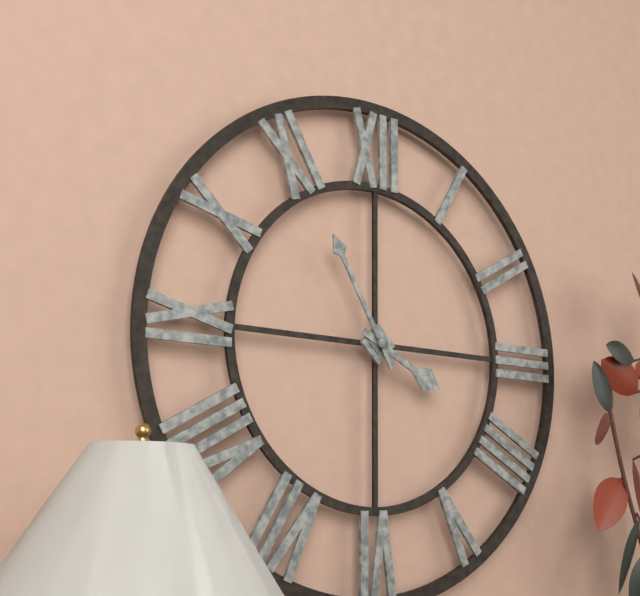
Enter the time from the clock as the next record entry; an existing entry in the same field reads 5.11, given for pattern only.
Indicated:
3.55
